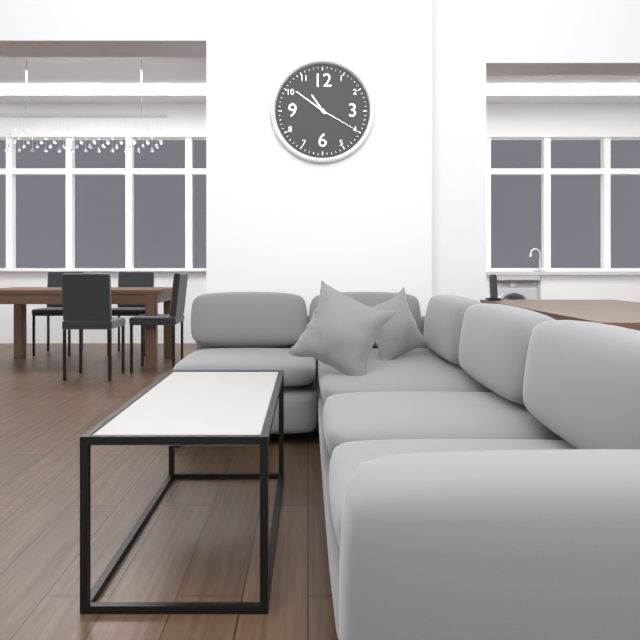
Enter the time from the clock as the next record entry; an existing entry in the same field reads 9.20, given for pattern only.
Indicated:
10.51
